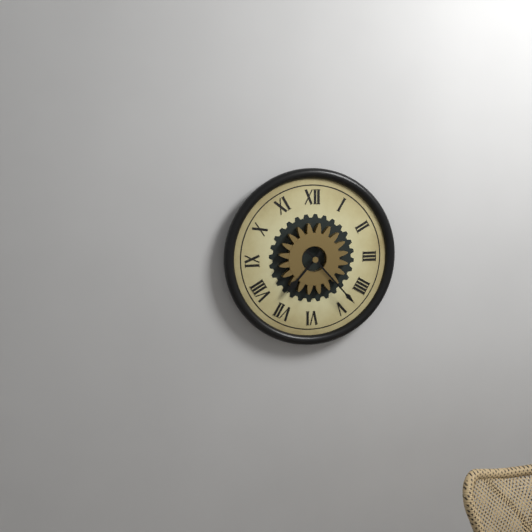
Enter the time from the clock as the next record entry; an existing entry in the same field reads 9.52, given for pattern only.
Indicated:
7.23
